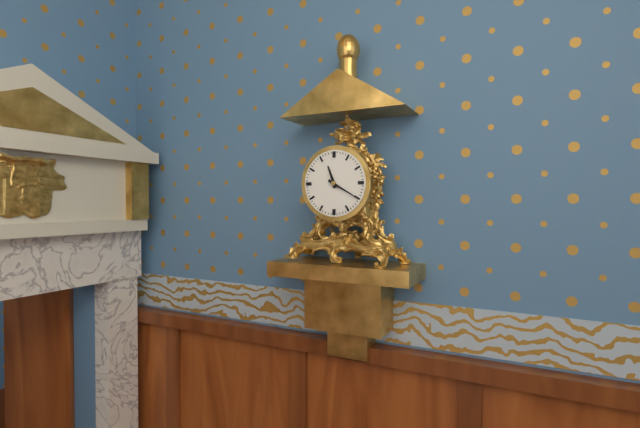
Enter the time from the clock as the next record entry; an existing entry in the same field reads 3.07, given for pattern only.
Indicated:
11.20
